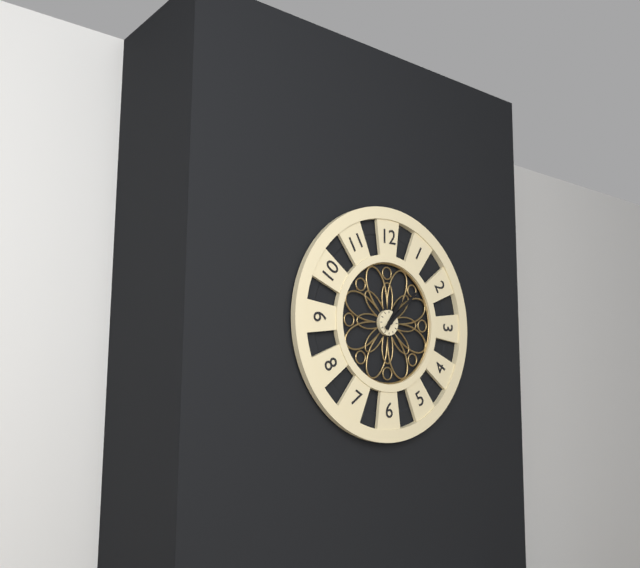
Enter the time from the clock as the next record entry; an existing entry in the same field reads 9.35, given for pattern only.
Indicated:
1.08
